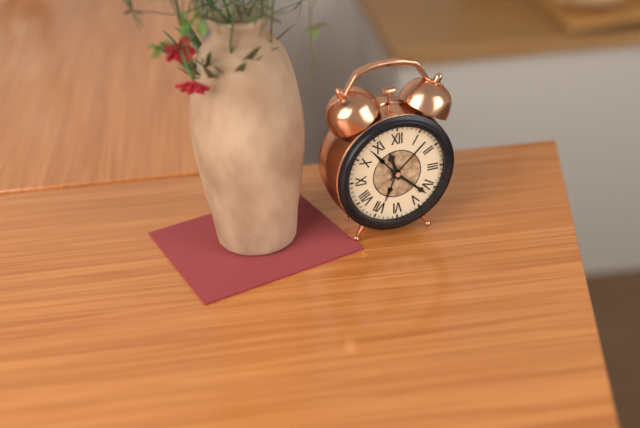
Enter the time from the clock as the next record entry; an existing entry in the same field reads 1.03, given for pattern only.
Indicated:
11.22
